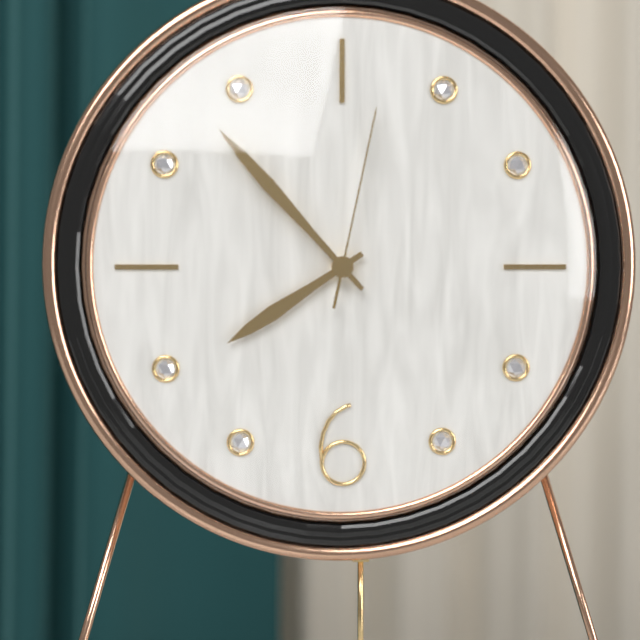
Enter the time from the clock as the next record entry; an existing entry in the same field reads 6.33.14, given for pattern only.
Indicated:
7.53.02
